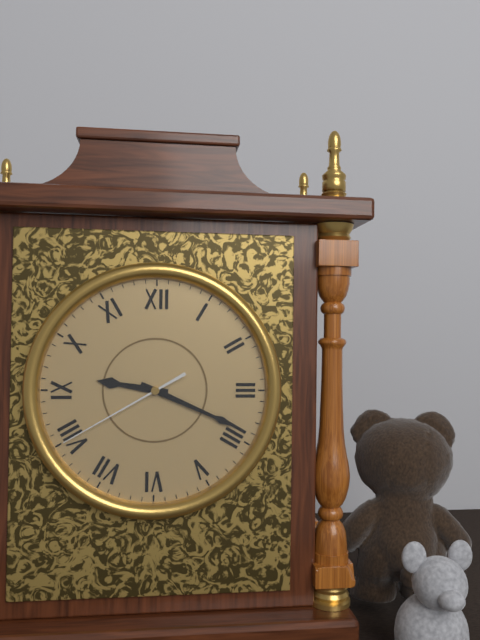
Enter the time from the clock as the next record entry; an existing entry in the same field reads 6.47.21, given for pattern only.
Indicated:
9.19.40
